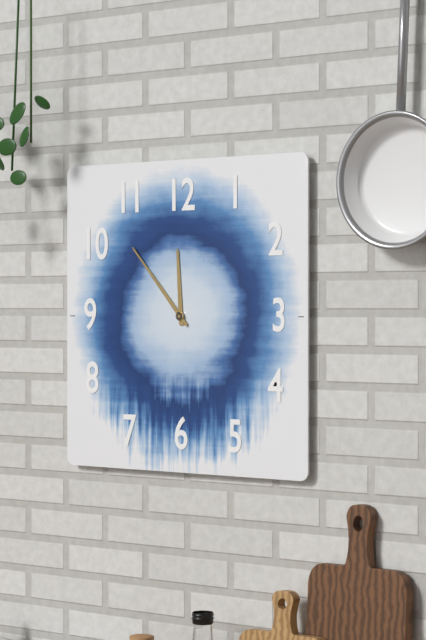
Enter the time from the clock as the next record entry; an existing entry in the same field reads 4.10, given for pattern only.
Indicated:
11.53
